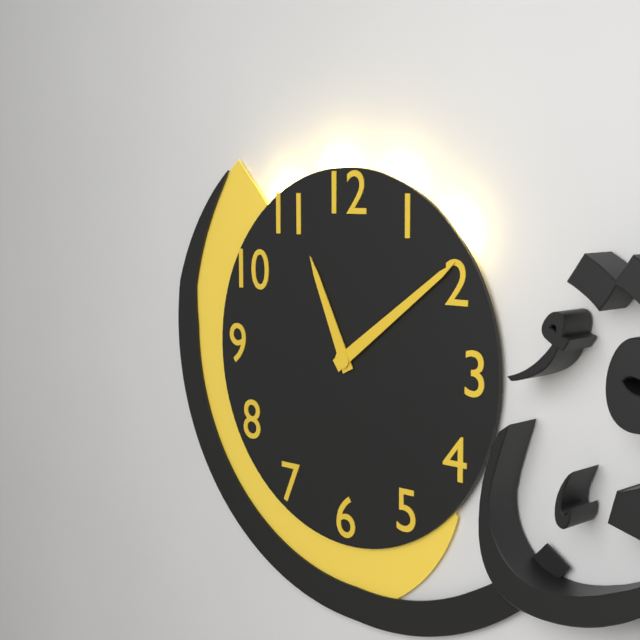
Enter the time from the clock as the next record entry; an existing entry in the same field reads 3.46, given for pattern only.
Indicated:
11.09
